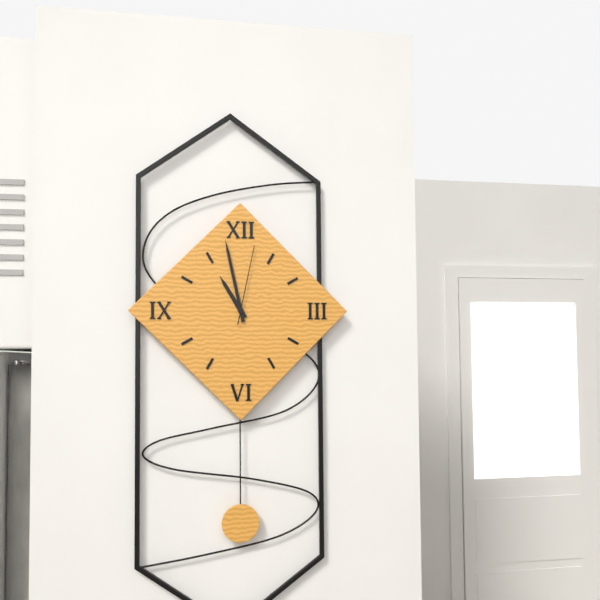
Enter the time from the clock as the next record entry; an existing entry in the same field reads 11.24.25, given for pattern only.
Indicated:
10.58.02
